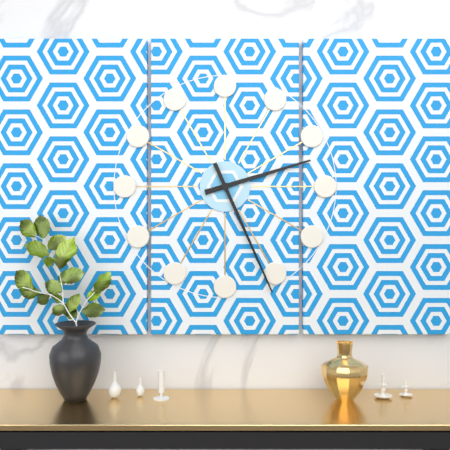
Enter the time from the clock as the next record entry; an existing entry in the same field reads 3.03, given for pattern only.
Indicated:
2.26
